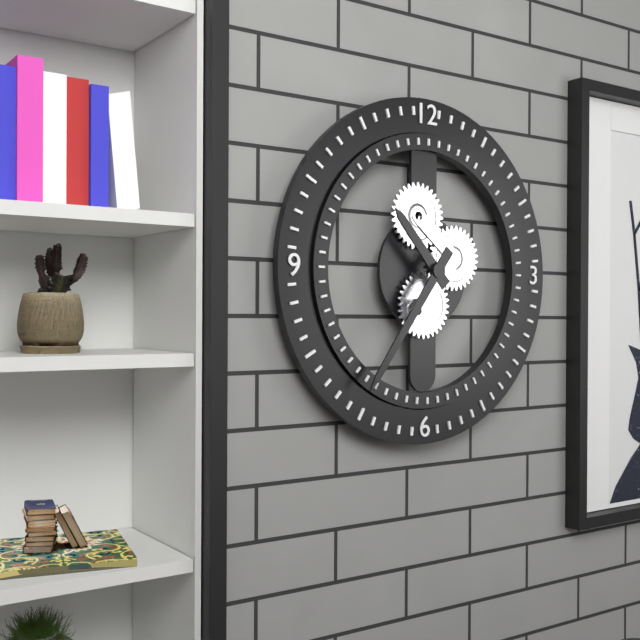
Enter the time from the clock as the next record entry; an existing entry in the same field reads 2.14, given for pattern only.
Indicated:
10.36
